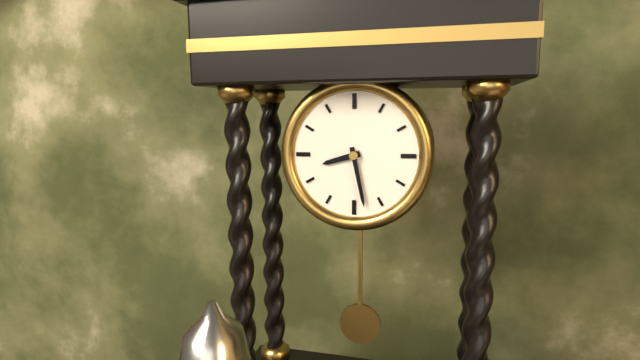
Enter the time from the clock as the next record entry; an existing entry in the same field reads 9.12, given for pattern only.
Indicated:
8.28
